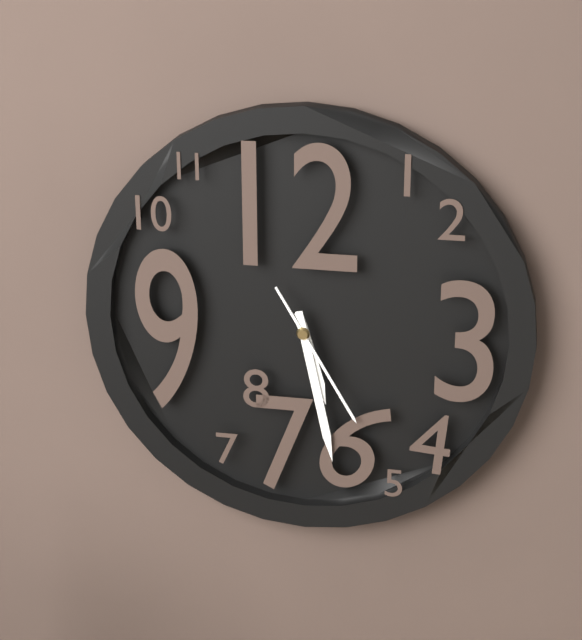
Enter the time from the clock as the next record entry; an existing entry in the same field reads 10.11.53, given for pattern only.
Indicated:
5.28.25
